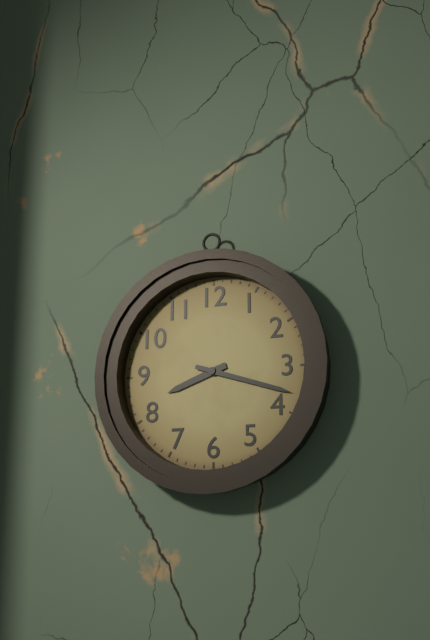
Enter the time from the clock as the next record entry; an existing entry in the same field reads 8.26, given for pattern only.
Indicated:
8.18
